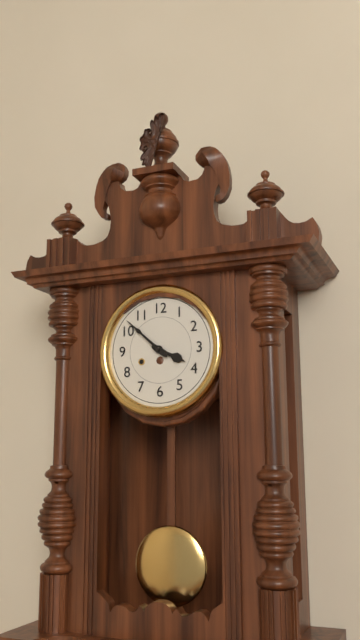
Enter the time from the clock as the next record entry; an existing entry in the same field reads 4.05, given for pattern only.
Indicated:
3.52
